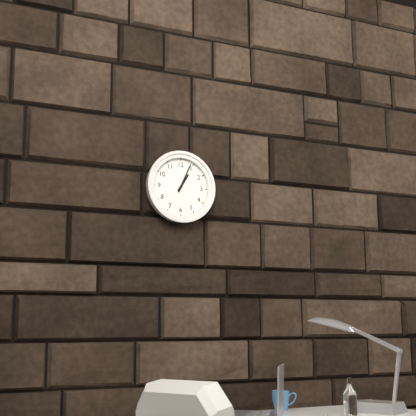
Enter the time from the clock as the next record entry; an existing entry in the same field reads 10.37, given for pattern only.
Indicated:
1.04
